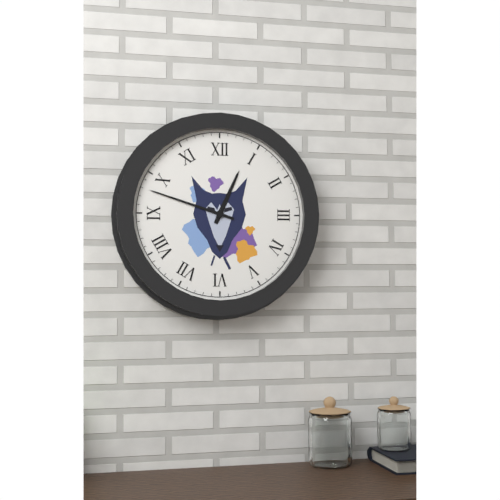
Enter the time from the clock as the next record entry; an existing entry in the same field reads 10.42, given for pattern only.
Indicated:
12.48
